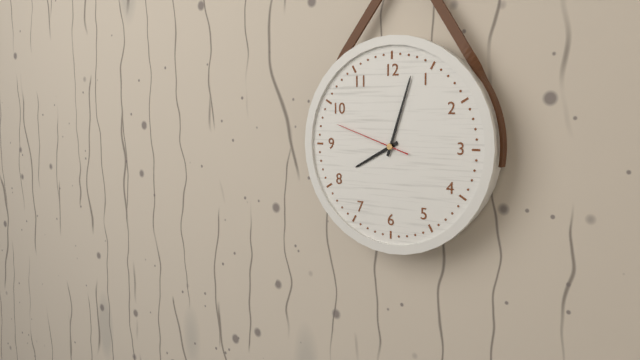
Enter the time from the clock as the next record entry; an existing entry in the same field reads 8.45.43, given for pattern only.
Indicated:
8.03.48
